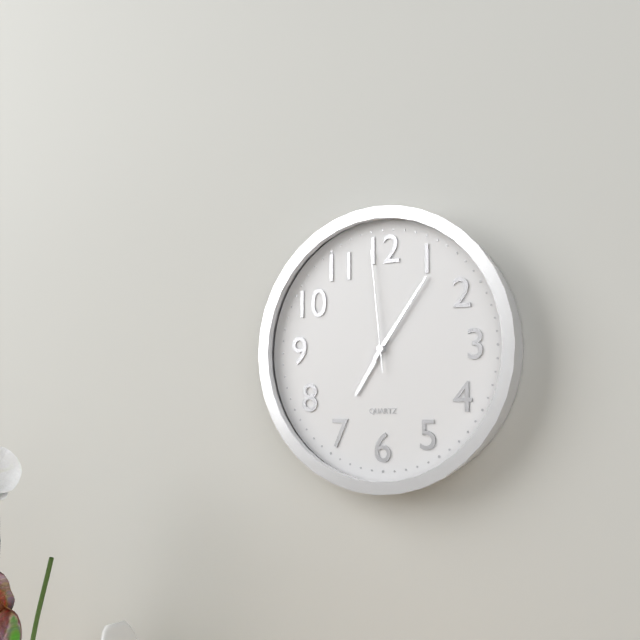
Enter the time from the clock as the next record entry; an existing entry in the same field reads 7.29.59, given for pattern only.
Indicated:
7.06.59
